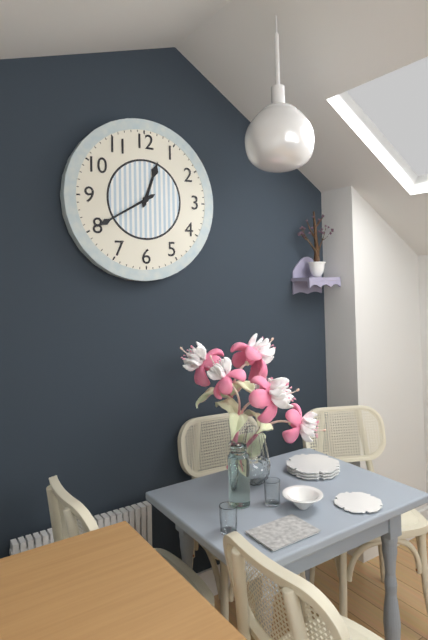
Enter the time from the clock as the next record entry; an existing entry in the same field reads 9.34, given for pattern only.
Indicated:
12.40
